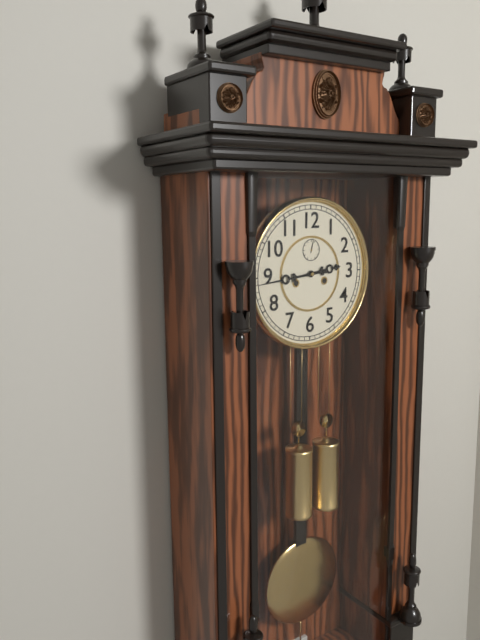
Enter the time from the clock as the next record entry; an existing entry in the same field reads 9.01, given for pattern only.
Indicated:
2.44
